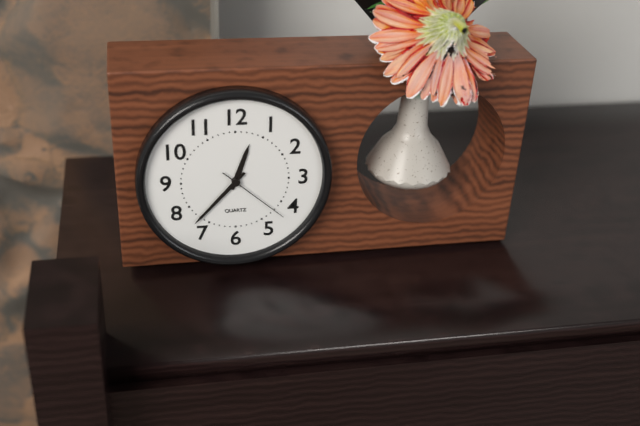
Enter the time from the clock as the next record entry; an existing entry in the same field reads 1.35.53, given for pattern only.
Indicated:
12.37.22
